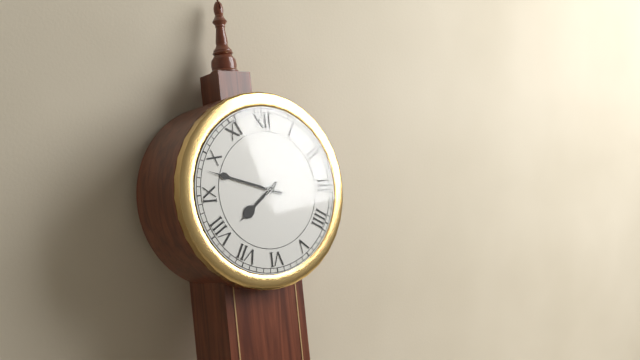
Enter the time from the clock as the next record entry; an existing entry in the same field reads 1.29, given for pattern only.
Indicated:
7.48
